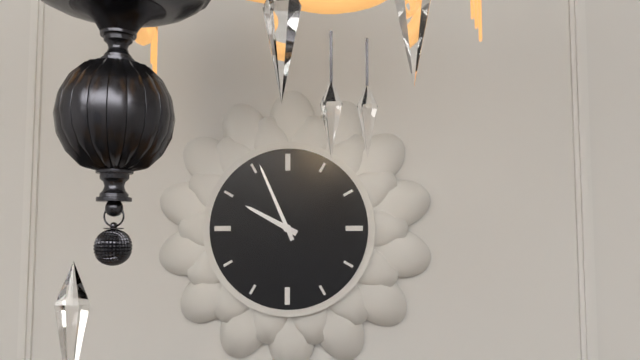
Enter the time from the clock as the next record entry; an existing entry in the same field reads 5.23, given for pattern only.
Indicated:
9.56
